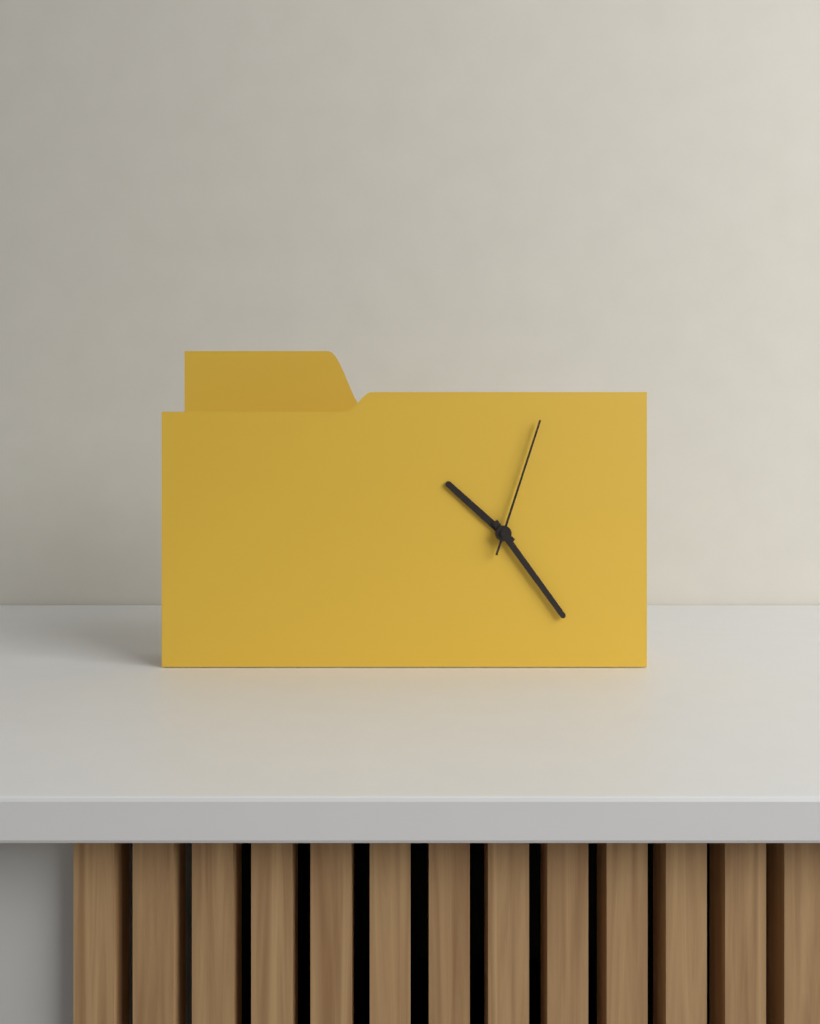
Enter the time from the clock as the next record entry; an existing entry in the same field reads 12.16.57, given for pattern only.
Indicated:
10.24.03
